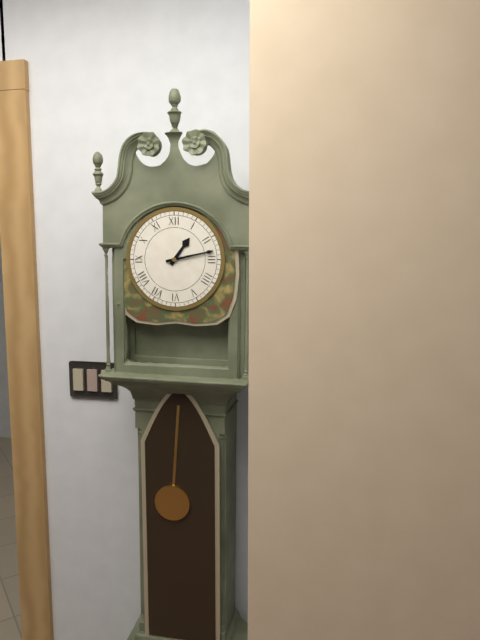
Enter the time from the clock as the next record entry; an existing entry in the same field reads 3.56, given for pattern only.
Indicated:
1.13
